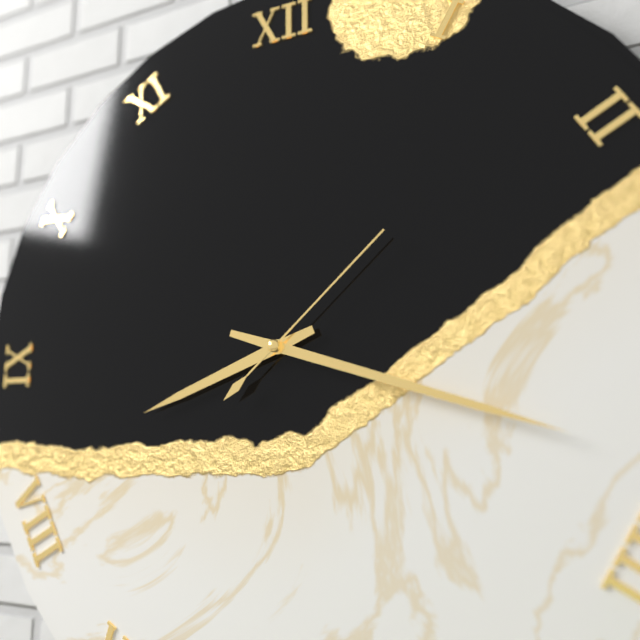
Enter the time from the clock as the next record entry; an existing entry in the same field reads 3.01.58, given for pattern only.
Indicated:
8.18.08
